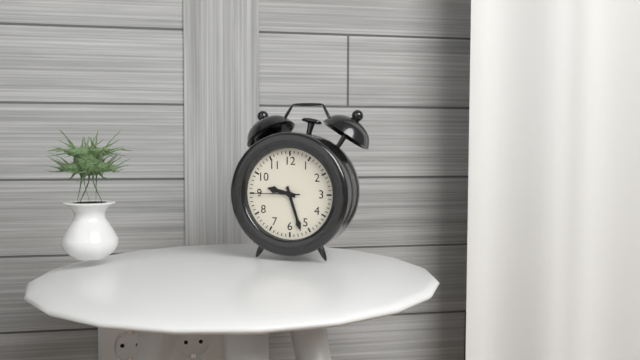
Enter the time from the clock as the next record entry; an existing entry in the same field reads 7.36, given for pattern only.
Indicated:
9.27
